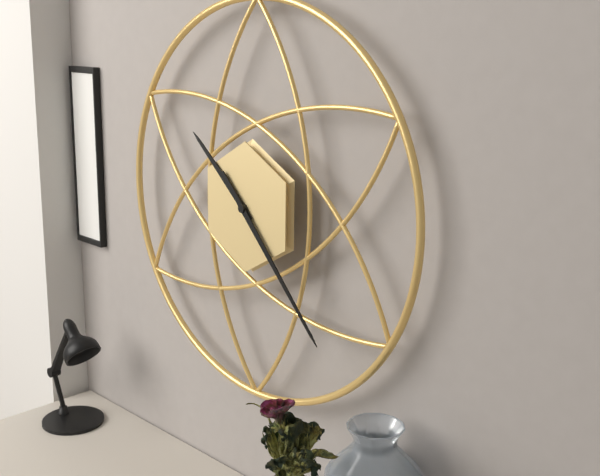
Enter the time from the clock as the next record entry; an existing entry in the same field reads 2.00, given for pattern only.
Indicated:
10.23
